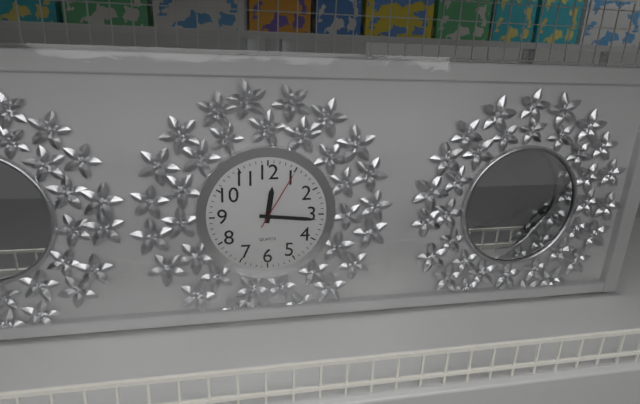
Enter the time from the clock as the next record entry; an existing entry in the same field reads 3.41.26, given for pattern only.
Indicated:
12.16.05
